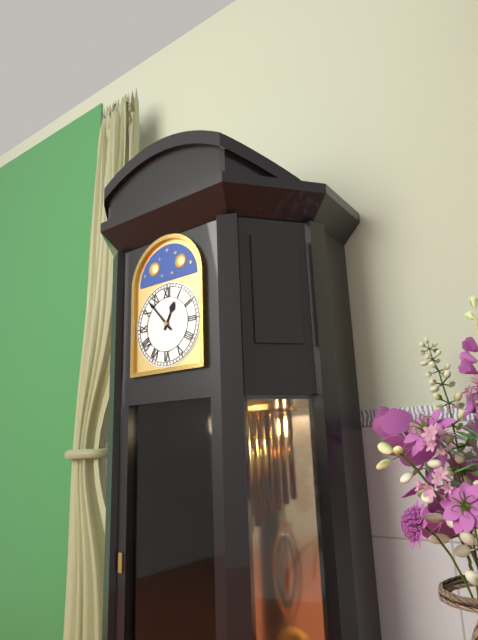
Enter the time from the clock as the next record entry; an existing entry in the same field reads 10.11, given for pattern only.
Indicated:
12.53
